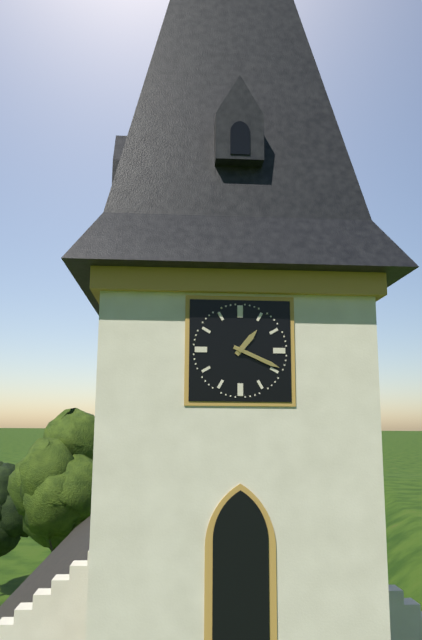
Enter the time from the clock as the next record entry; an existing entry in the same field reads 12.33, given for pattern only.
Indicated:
1.19
